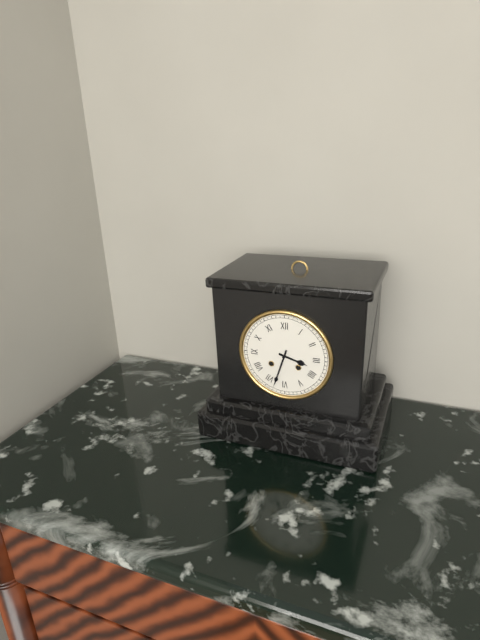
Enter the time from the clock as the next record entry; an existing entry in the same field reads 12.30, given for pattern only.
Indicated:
3.33
